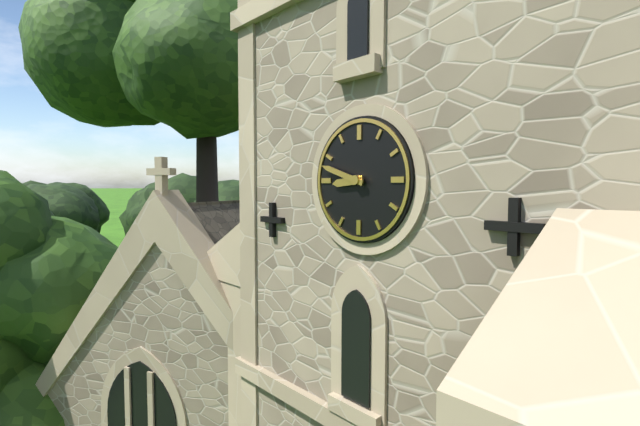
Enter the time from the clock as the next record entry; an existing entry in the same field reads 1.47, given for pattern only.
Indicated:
8.48
